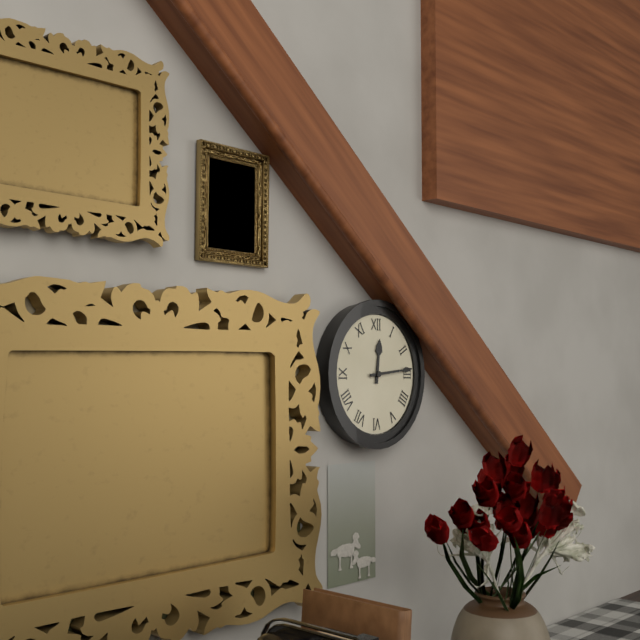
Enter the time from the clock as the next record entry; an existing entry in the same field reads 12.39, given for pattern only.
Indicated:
12.14
